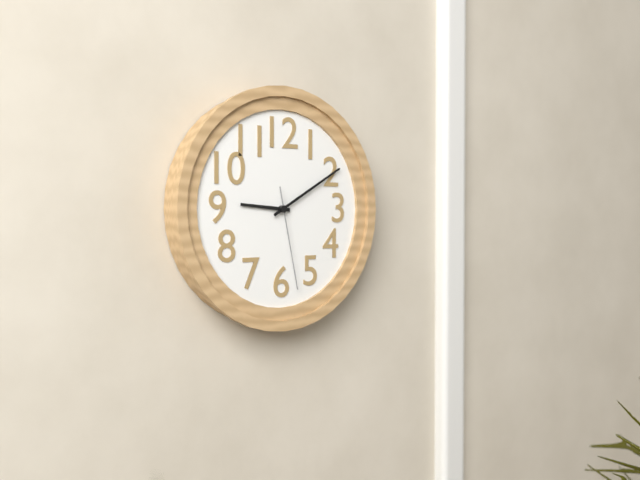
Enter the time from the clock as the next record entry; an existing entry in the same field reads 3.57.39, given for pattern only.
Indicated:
9.10.28
